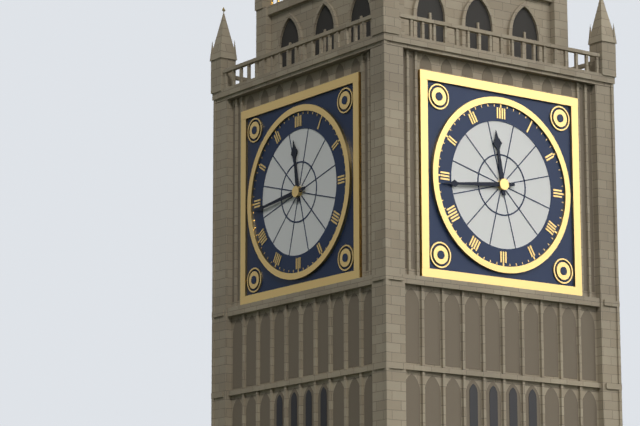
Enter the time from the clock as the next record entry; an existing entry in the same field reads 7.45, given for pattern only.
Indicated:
11.44
